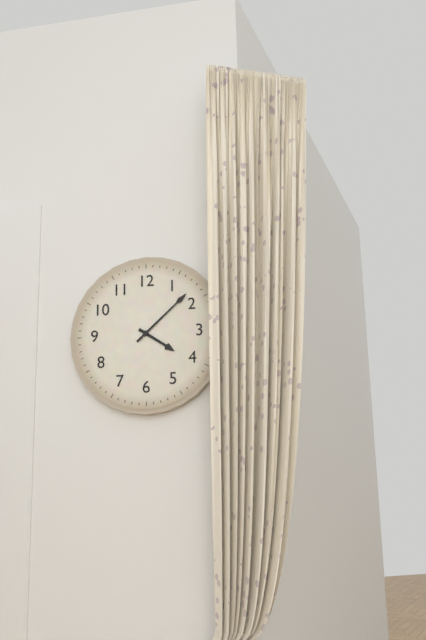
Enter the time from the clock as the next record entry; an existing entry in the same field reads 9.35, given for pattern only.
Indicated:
4.08
